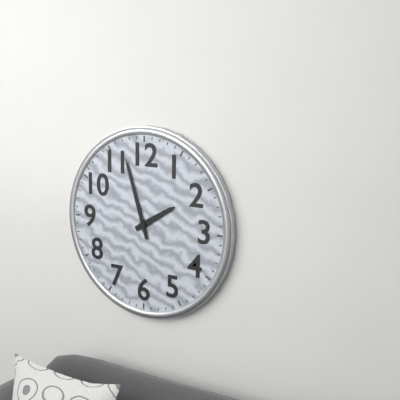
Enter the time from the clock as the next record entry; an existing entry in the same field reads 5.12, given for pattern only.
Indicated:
1.57
